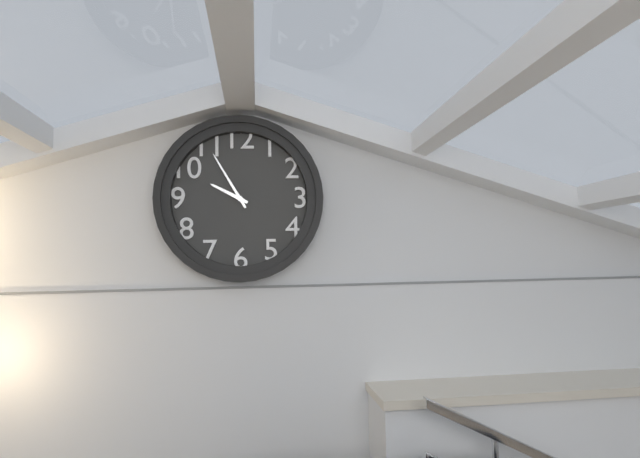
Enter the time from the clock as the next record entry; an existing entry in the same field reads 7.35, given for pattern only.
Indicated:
9.55
